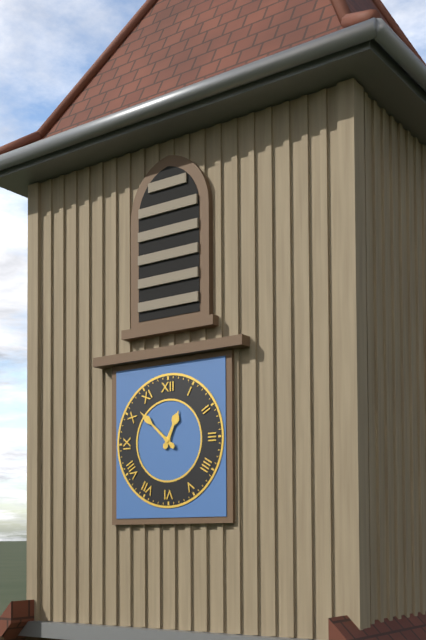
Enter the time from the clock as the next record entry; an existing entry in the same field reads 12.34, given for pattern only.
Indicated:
12.52
